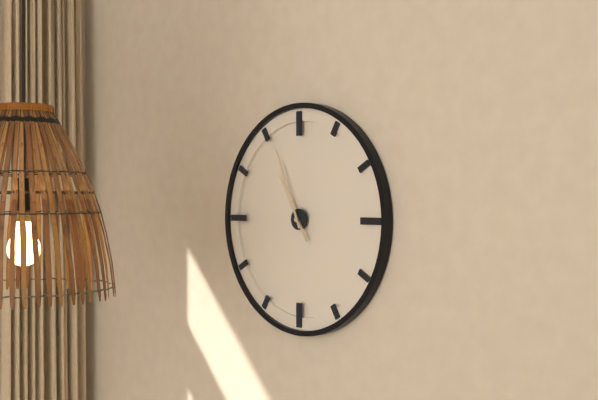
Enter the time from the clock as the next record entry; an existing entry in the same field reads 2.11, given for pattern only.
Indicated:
10.56
